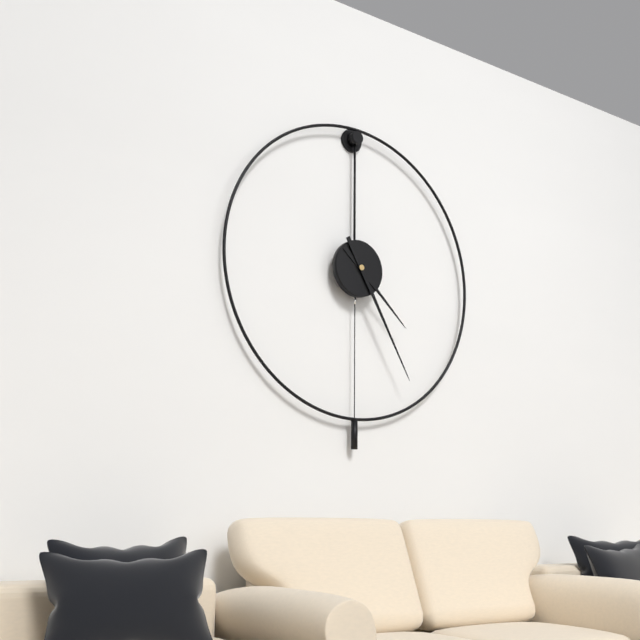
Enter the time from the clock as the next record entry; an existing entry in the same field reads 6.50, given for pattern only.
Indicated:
4.25
